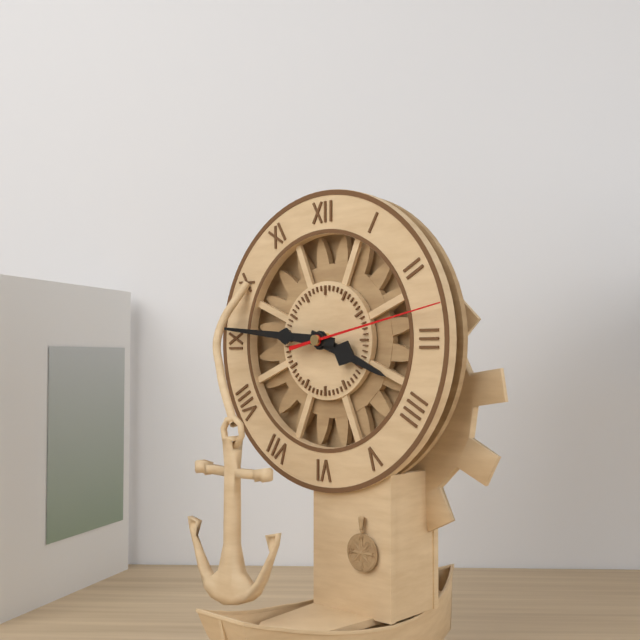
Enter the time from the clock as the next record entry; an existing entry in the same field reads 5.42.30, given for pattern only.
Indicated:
3.46.13
